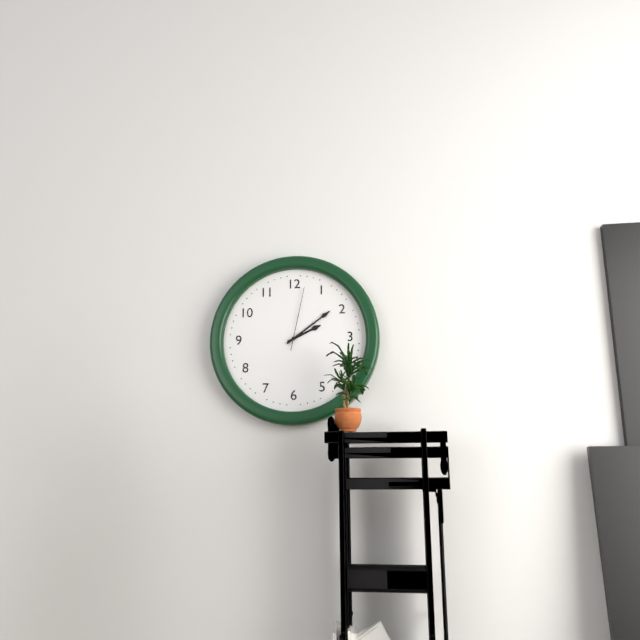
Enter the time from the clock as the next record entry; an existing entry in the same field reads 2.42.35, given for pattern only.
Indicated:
2.09.02
